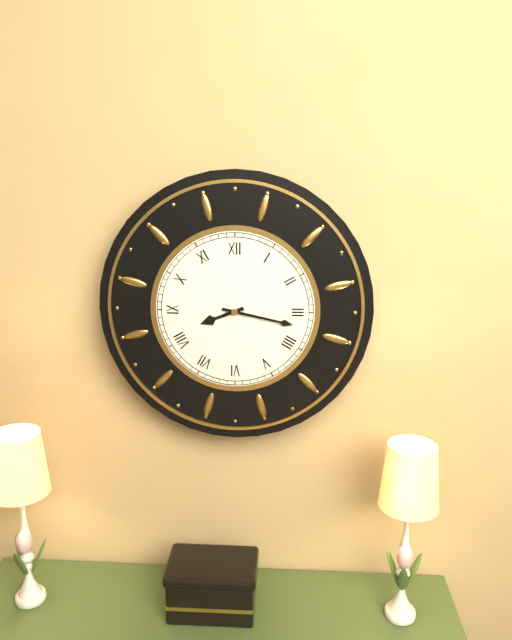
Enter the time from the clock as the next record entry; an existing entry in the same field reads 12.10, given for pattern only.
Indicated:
8.17
